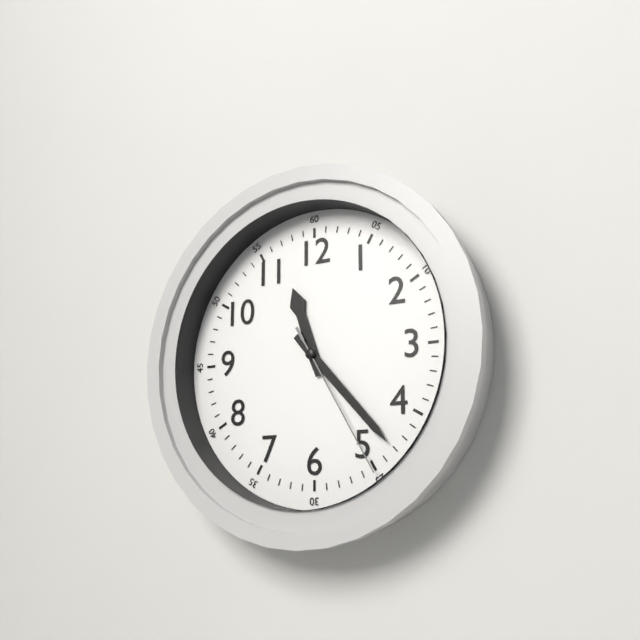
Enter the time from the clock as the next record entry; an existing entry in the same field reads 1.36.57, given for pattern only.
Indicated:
11.23.25
